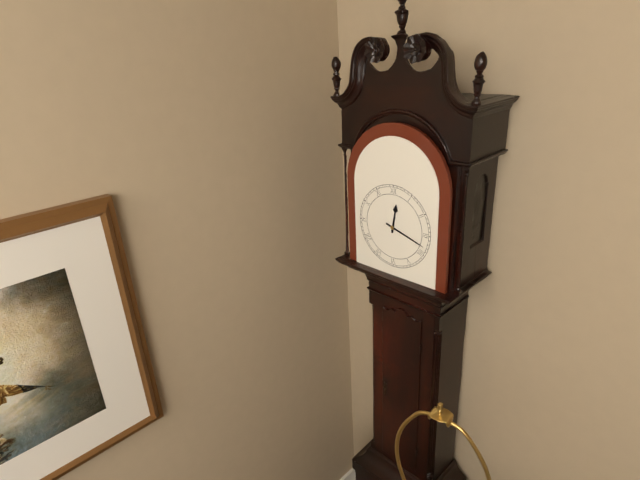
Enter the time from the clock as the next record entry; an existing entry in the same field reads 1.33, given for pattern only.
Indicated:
12.18
